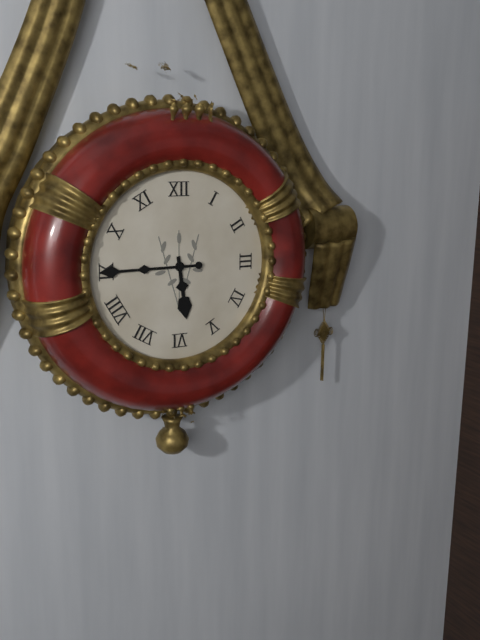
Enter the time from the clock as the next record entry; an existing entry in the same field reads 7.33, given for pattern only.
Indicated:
5.45
